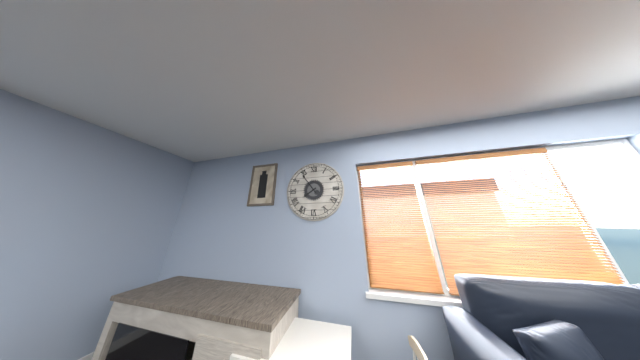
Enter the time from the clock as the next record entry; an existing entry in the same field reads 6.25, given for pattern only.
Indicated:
7.54
